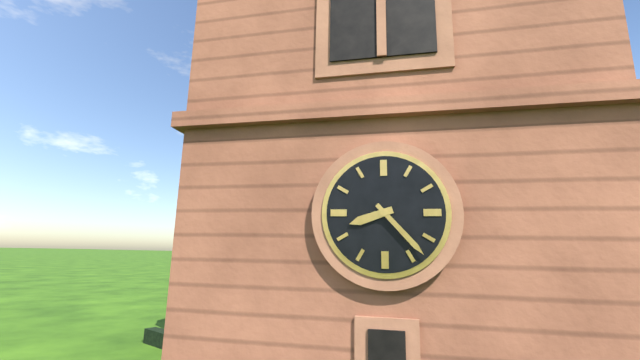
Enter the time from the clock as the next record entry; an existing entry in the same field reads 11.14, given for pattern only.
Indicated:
8.23
